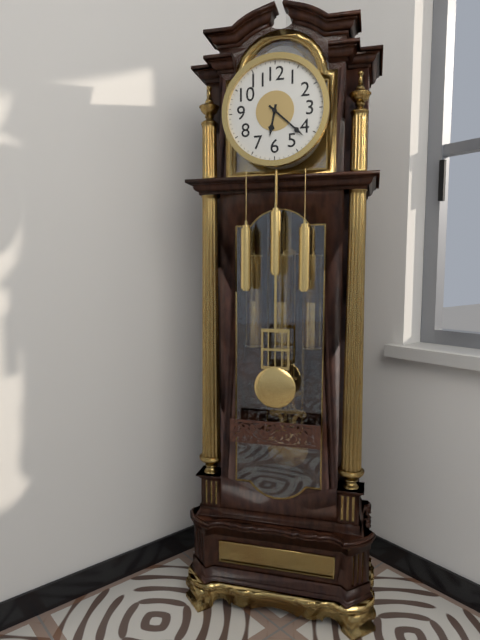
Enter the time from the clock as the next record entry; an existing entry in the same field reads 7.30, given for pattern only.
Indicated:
6.22
